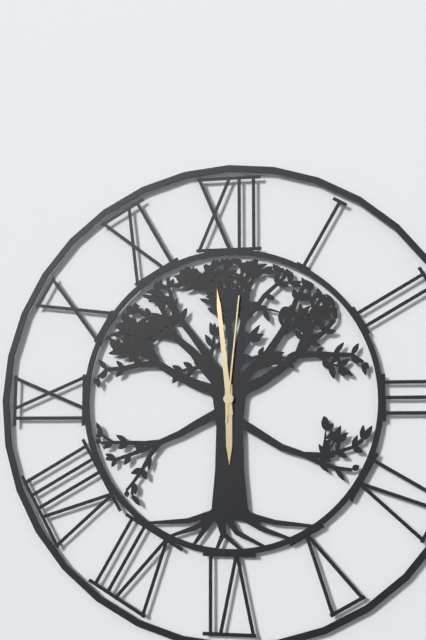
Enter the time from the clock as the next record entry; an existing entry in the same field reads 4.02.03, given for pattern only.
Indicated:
5.59.01
